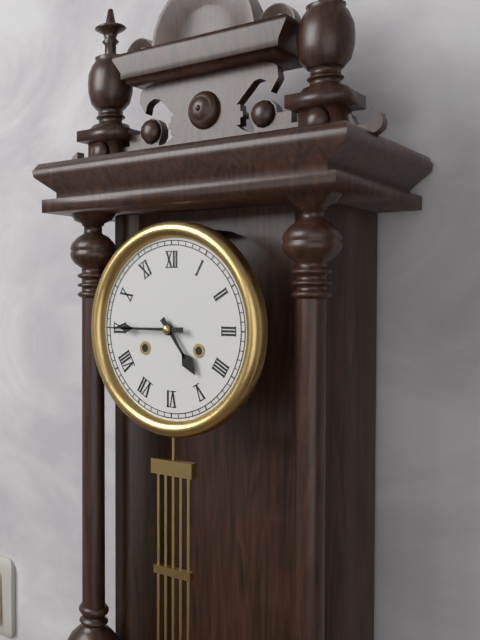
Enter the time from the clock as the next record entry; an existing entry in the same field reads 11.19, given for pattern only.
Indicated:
4.45
